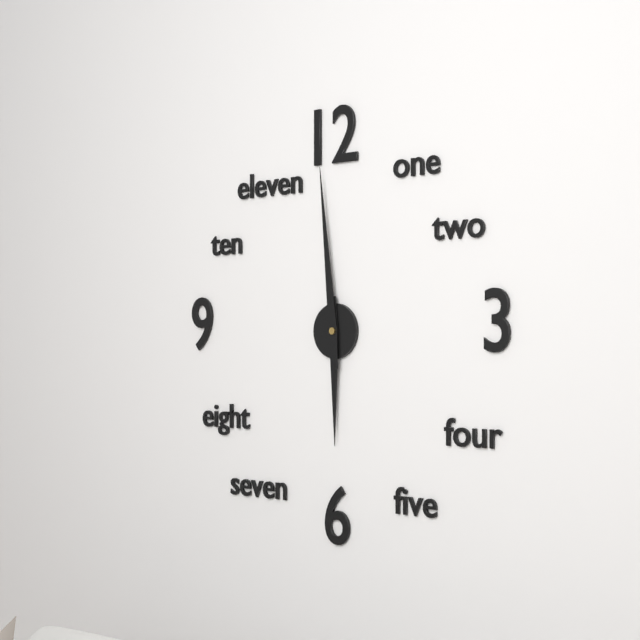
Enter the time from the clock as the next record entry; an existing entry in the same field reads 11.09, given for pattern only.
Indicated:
5.59
